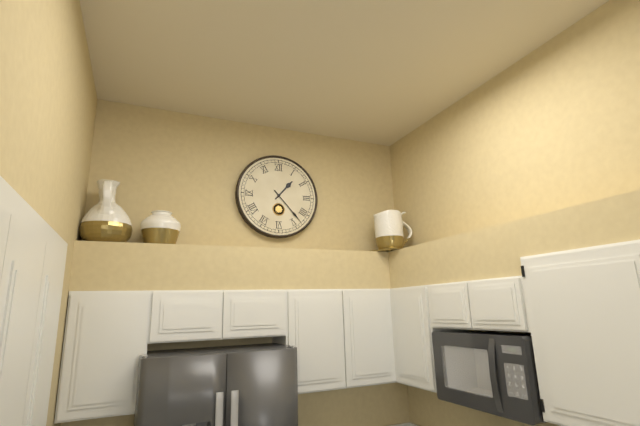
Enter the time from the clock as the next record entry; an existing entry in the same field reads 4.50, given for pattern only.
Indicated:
1.23
